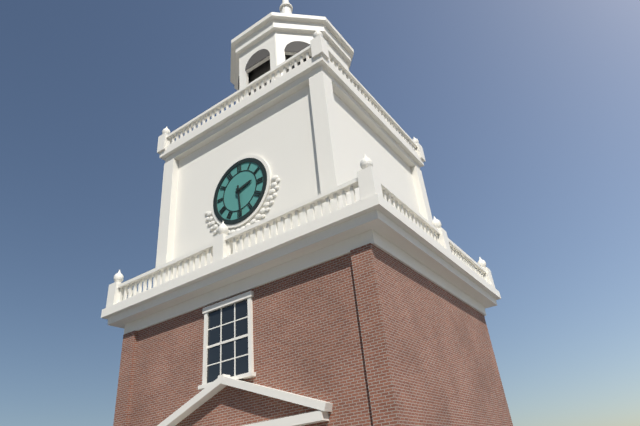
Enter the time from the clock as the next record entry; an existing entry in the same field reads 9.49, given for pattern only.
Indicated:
2.29
